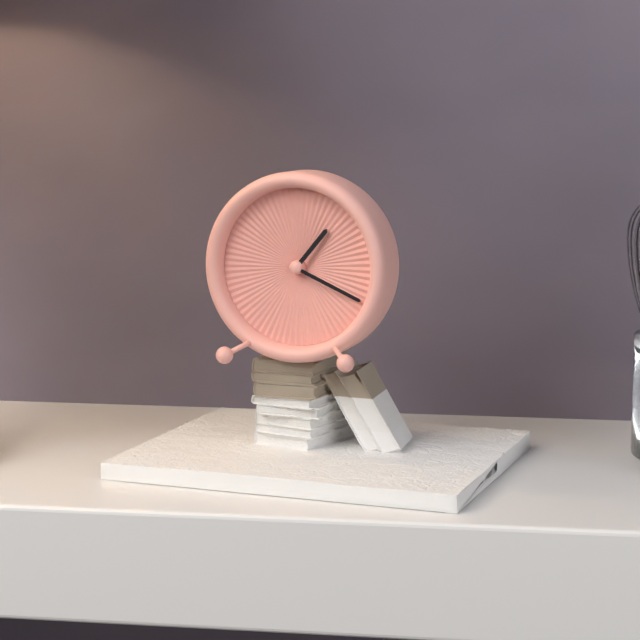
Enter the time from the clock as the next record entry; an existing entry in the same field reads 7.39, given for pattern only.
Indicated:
1.19
